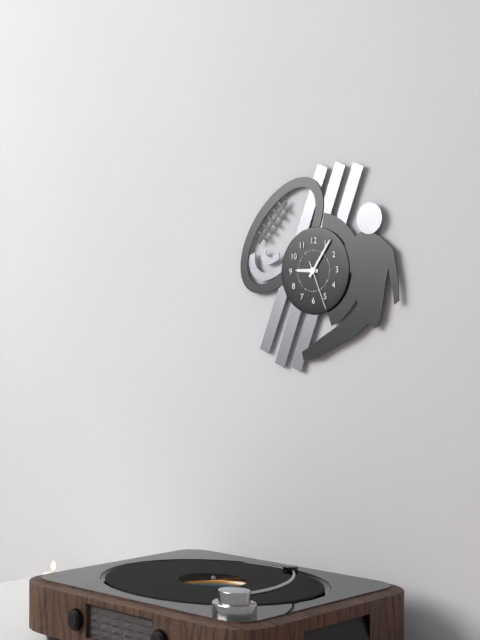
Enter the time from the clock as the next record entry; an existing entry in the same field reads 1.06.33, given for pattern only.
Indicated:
9.06.26
